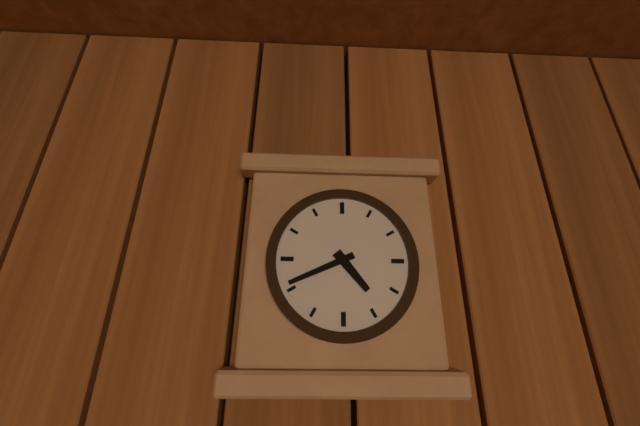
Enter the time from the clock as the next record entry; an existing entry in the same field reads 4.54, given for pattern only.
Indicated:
4.41
